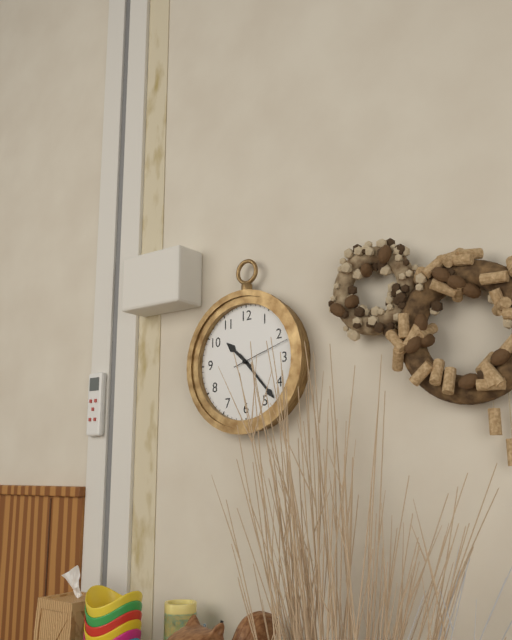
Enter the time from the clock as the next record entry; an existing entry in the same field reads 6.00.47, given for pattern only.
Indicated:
10.23.12
